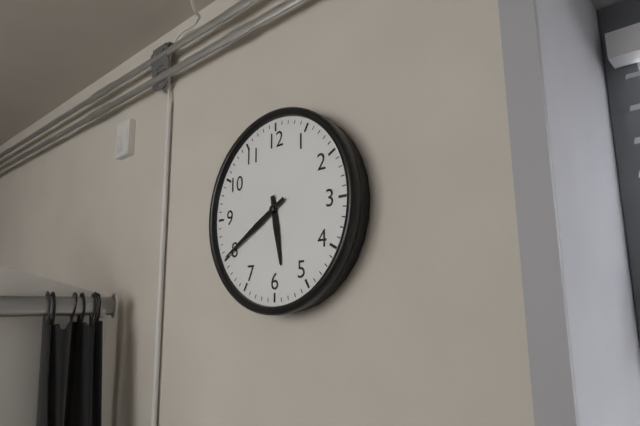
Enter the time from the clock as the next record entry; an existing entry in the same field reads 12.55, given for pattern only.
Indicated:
5.40
